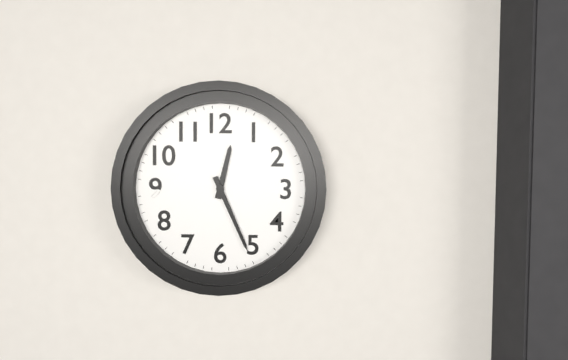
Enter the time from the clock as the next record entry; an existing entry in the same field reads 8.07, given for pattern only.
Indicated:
12.26
